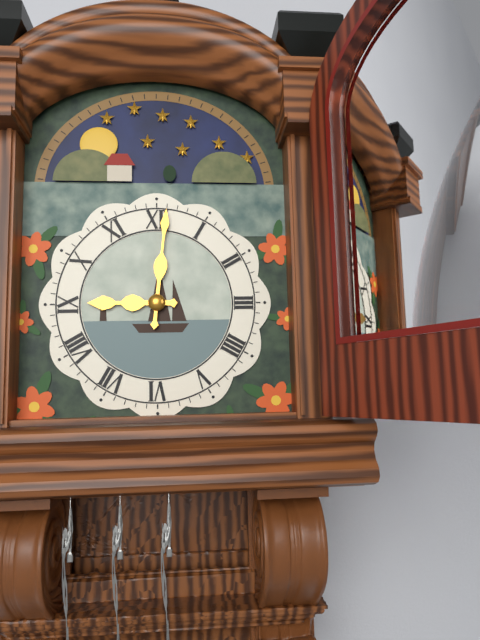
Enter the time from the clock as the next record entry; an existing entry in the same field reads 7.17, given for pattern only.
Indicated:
9.01
